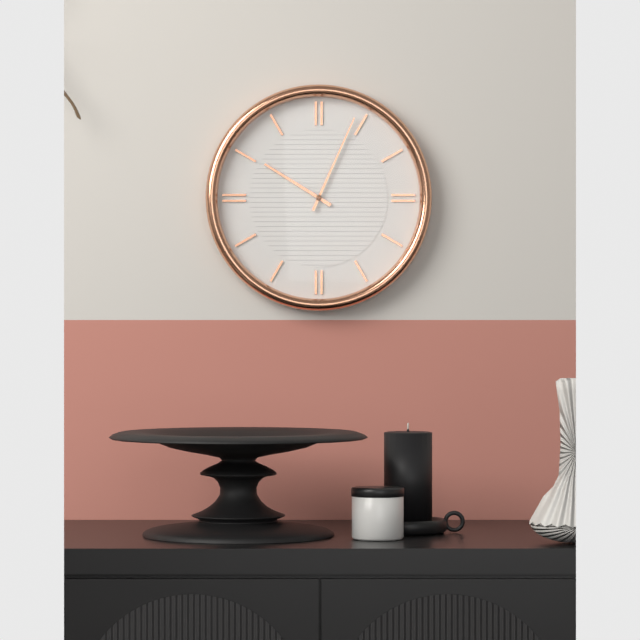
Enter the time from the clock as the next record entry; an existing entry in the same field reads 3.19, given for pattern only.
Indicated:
10.04
